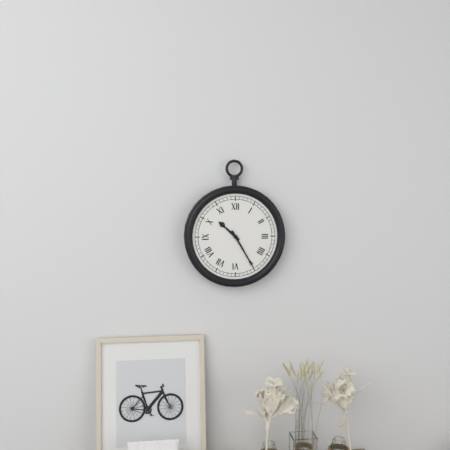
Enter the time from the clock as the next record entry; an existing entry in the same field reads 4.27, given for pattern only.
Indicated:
10.25
